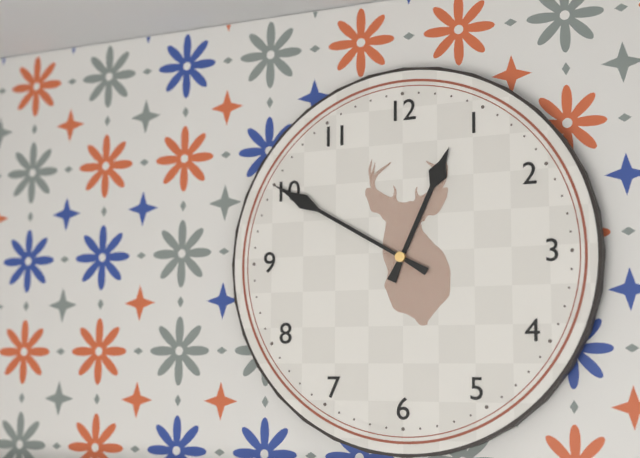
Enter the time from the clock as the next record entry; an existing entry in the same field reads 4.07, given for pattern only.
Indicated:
12.50
